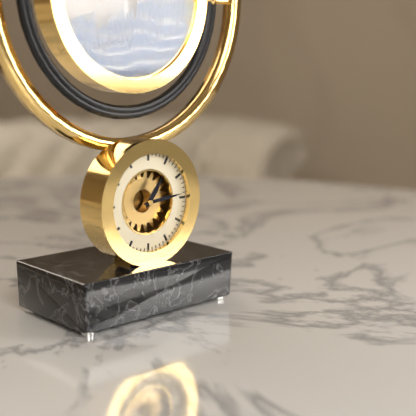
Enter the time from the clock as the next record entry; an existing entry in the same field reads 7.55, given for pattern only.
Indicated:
1.14
